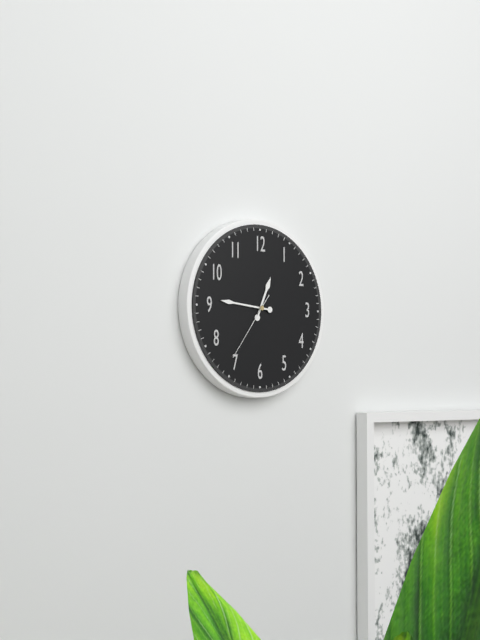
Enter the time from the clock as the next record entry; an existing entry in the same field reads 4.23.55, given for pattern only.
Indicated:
12.46.36
